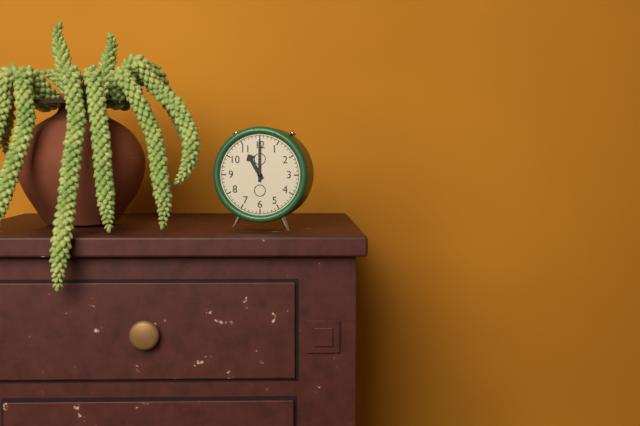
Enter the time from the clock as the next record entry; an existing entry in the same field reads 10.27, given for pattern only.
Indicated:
11.00
